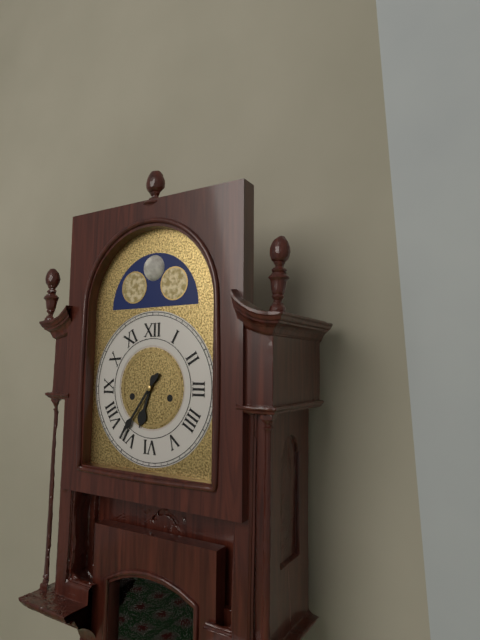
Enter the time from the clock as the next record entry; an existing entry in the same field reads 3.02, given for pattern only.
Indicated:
6.36
